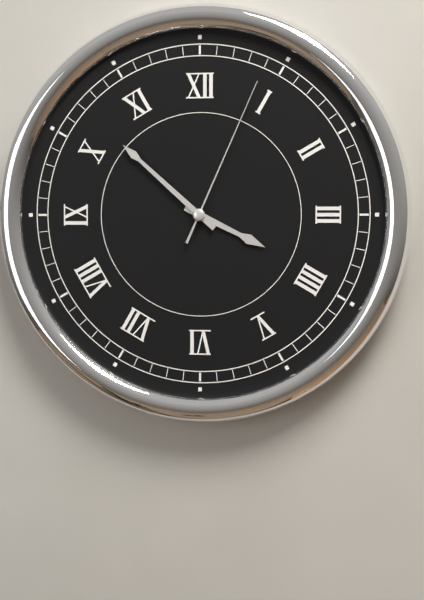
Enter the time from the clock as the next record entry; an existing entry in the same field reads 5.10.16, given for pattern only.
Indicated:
3.52.04
